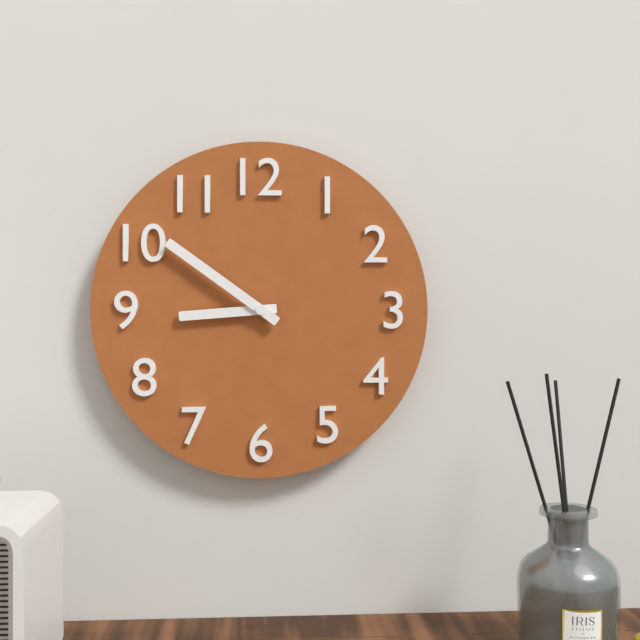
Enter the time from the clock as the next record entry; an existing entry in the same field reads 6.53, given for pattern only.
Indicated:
8.51
